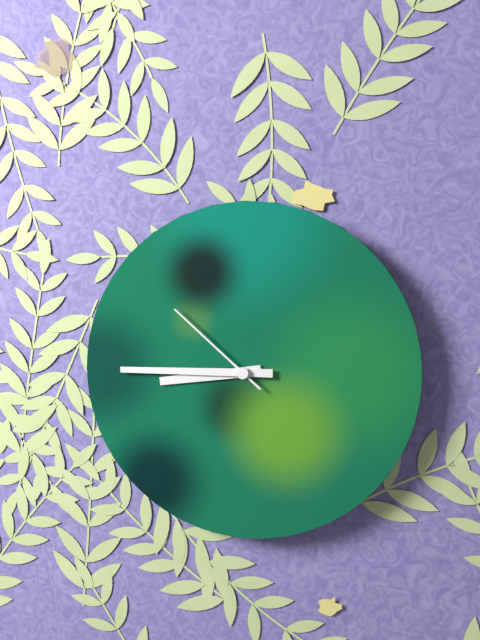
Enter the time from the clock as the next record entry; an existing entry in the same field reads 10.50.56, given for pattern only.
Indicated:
8.45.52
